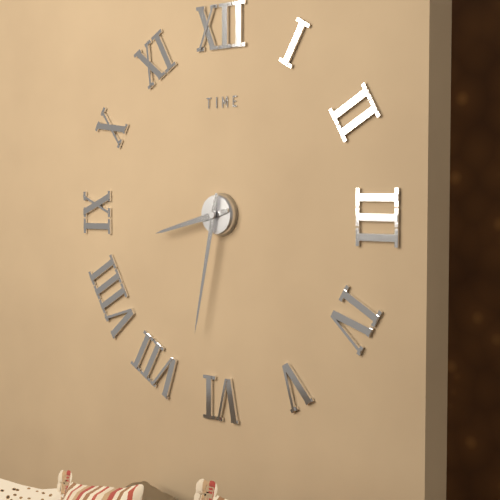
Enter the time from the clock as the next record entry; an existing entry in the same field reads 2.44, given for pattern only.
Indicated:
8.32
